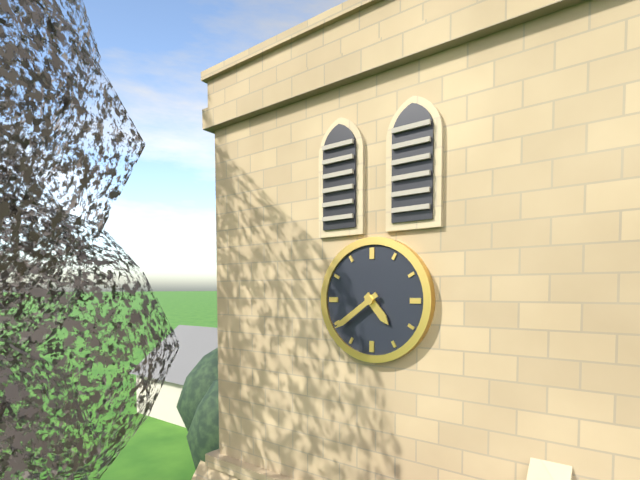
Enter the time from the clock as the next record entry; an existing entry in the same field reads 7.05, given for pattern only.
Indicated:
4.39
